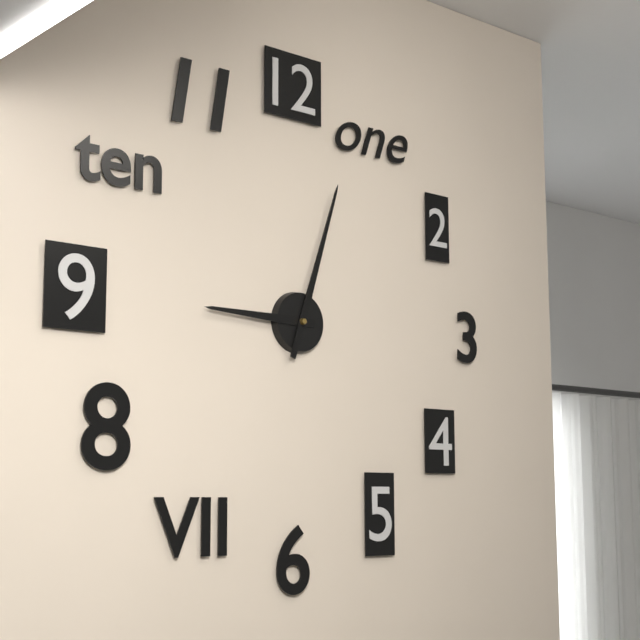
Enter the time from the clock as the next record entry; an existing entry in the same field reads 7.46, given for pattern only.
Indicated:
9.03
